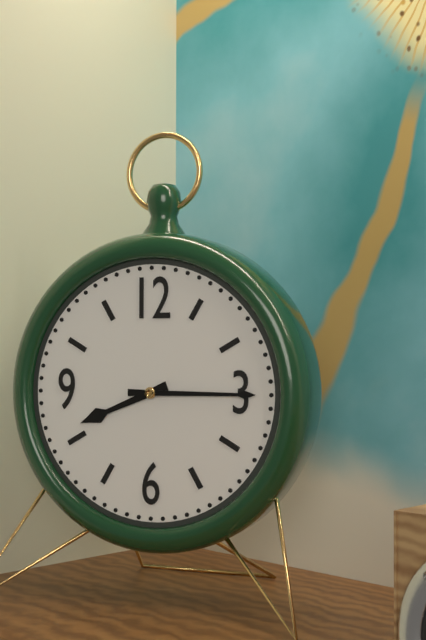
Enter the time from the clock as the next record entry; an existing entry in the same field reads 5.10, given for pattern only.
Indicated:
8.15
